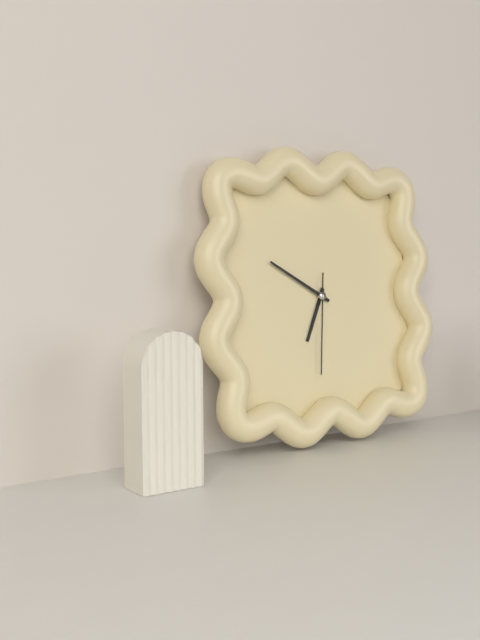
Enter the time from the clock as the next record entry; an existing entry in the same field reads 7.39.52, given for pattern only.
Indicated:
6.50.31
